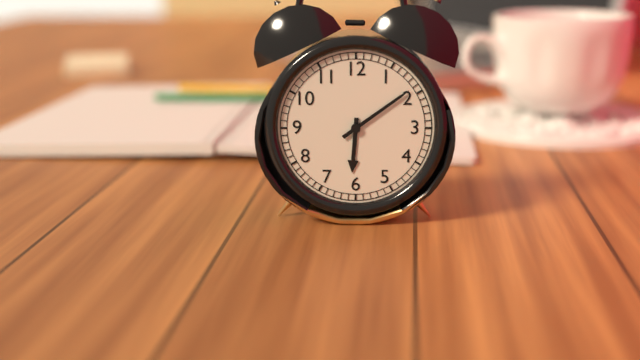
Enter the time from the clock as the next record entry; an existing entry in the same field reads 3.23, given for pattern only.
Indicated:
6.09
